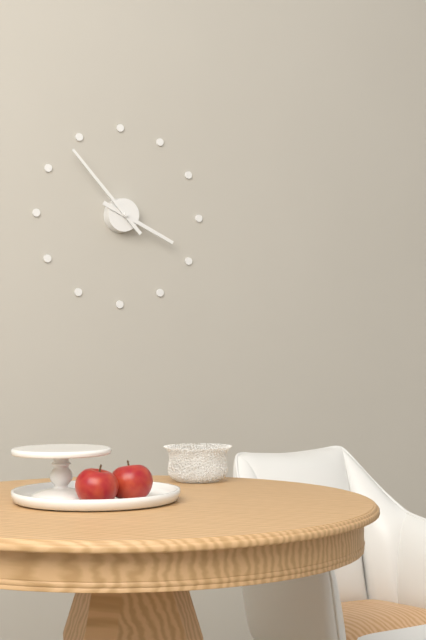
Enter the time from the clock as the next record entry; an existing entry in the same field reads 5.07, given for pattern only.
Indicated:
3.53
